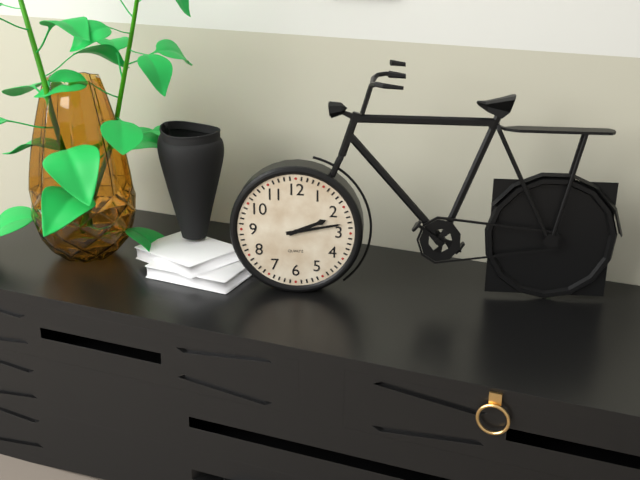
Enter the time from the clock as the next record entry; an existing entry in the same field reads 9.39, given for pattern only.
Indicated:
2.13
